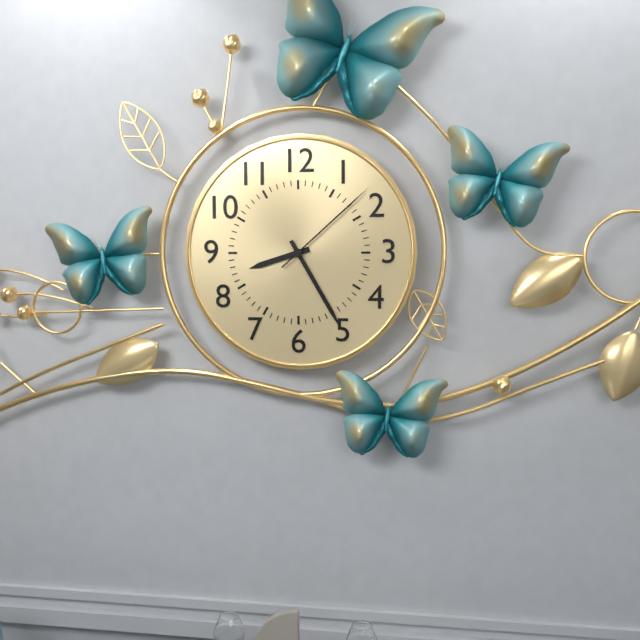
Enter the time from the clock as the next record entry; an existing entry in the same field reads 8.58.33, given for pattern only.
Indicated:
8.25.08
